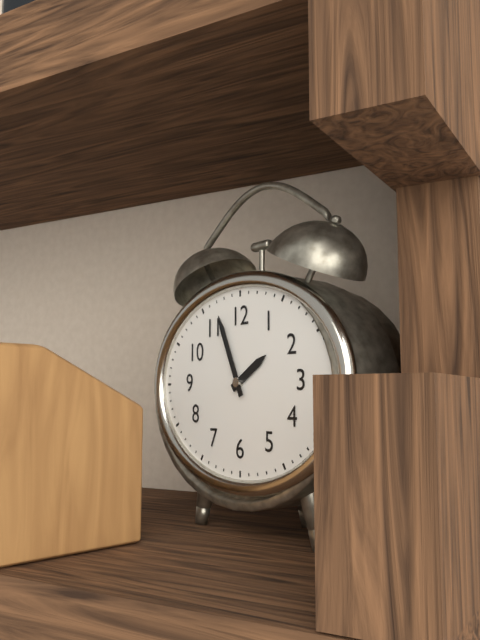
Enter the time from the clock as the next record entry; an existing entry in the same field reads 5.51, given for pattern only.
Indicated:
1.56
